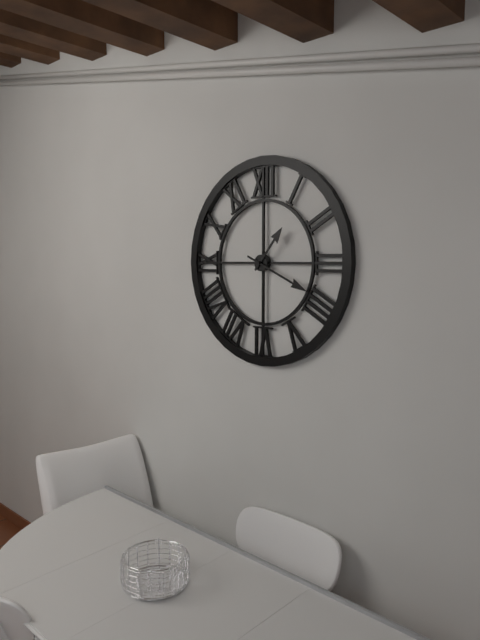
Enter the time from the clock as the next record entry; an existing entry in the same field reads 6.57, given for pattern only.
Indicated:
1.19
